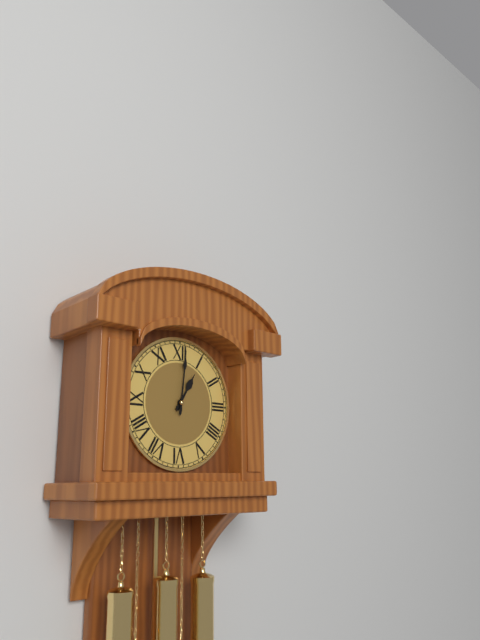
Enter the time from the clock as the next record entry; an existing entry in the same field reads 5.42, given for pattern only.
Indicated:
1.01
